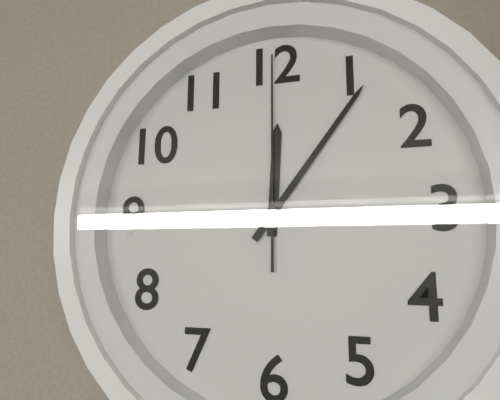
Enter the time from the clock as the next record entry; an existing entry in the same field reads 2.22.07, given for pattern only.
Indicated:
12.06.00
